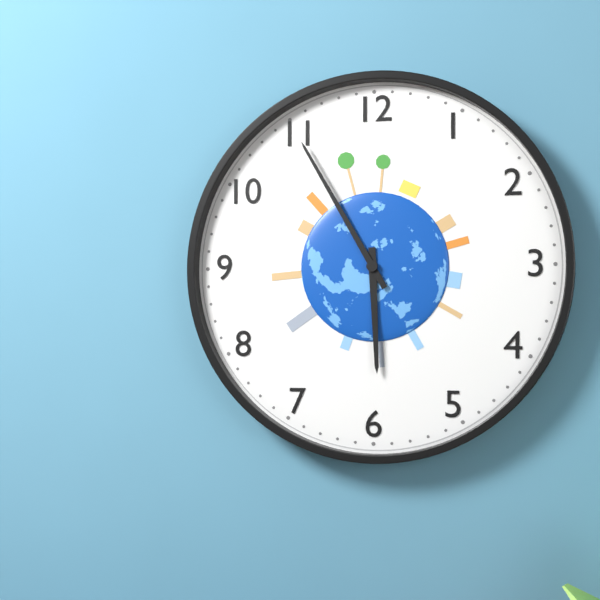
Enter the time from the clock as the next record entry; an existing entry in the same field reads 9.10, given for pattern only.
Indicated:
5.55
